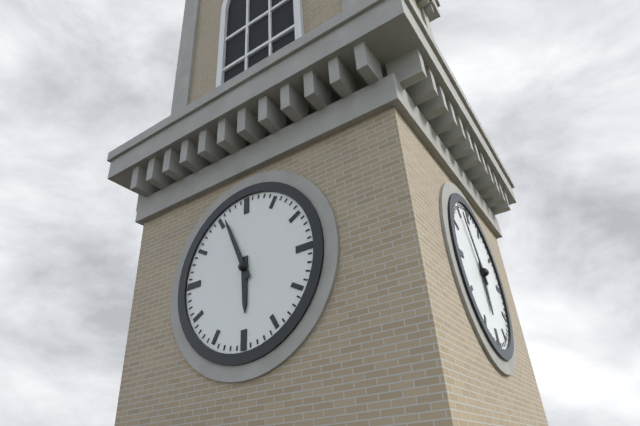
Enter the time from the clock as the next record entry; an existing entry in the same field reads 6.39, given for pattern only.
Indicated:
5.56
